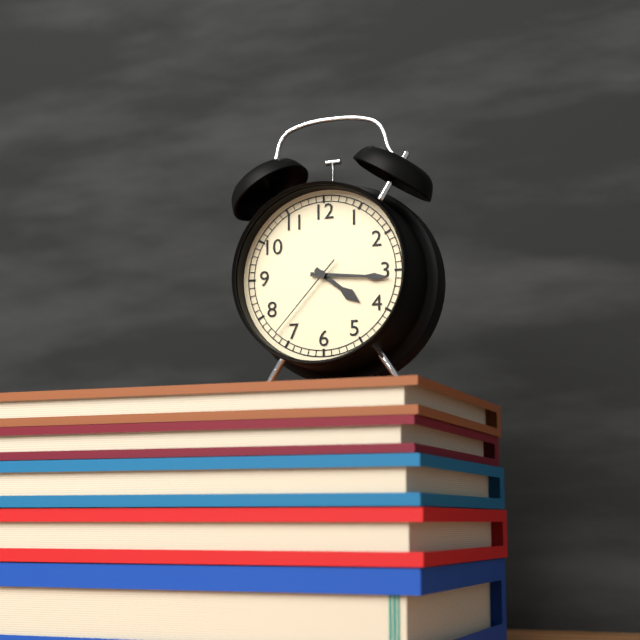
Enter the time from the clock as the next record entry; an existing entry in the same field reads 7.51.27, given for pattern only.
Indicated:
4.16.37
